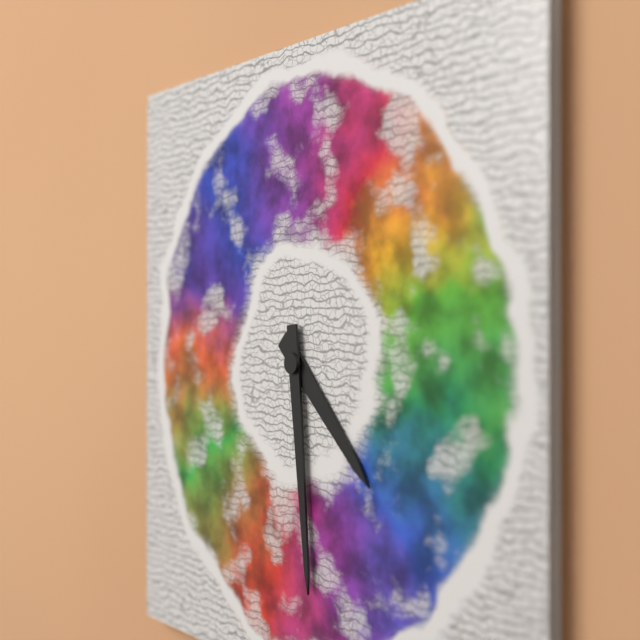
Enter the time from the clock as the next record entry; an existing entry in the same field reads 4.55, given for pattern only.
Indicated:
4.29
